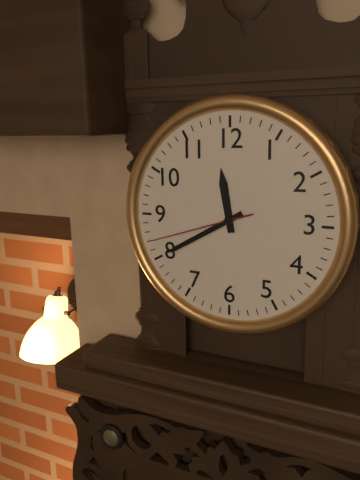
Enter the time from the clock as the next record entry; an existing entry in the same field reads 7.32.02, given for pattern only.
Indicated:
11.40.42
